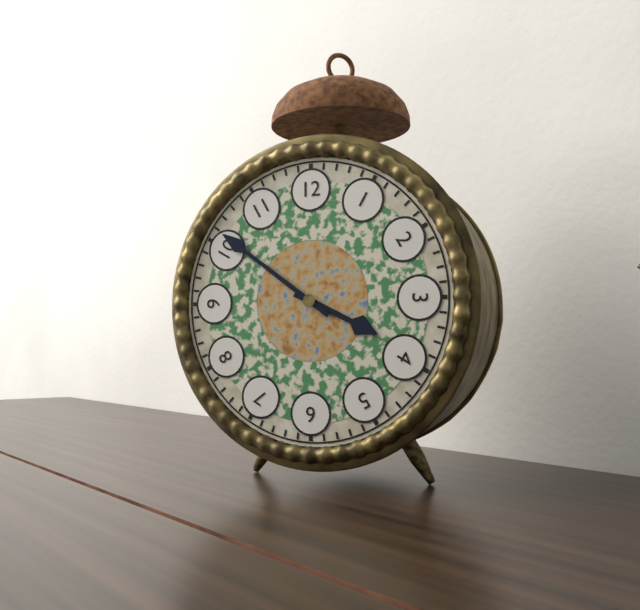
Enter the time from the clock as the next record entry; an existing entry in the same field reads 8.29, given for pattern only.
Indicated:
3.51
